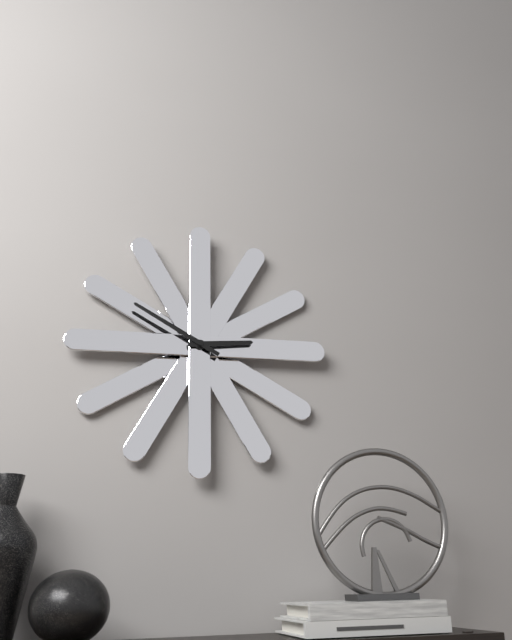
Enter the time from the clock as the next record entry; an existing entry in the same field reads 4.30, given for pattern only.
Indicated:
2.50
